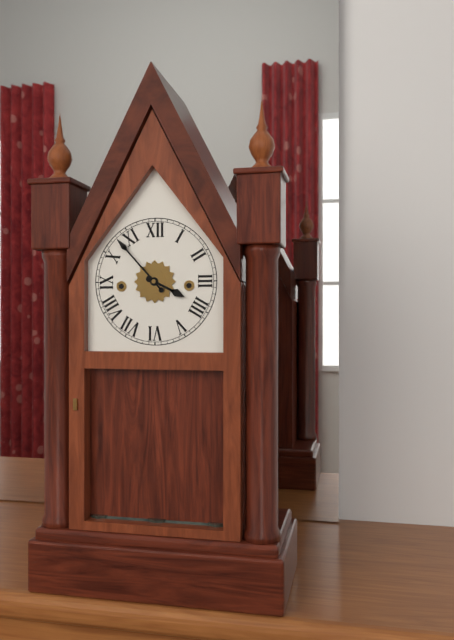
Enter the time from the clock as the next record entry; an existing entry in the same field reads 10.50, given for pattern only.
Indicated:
3.53
